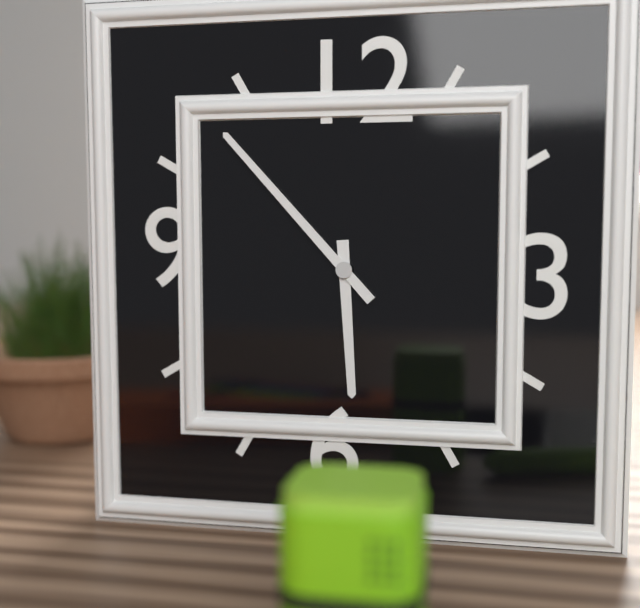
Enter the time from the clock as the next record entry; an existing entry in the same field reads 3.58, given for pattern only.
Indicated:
5.53
